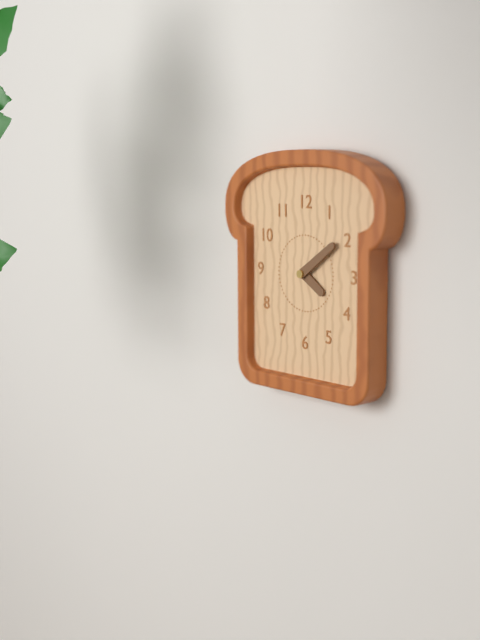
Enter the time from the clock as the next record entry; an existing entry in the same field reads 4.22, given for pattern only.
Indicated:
4.09
